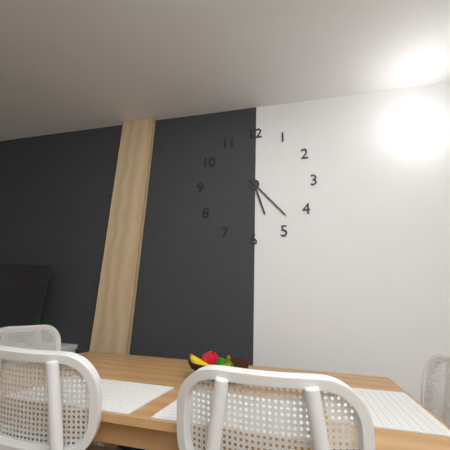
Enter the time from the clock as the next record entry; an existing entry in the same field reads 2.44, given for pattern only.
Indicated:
5.23
